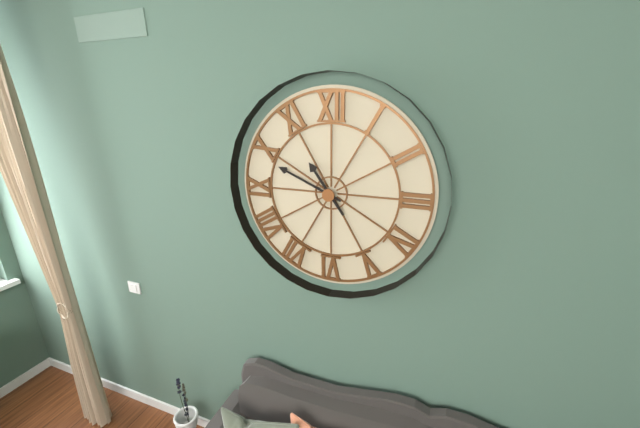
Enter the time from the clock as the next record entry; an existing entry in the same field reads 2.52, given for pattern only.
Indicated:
10.49
